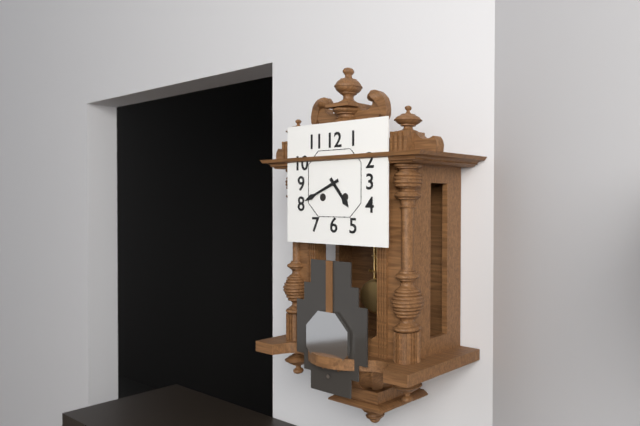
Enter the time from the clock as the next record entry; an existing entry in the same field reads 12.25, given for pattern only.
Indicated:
4.41
